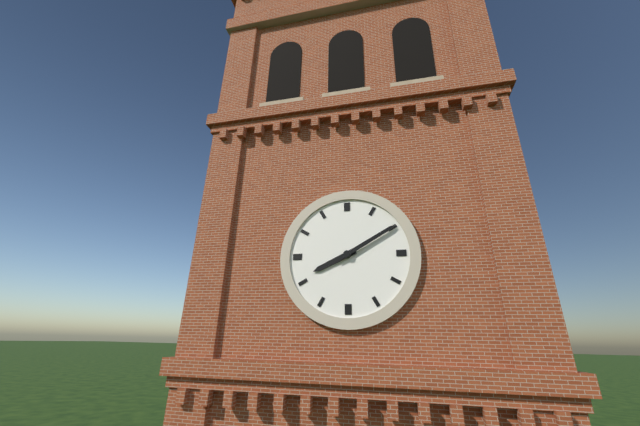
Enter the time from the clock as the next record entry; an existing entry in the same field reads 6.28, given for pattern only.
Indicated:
8.10
